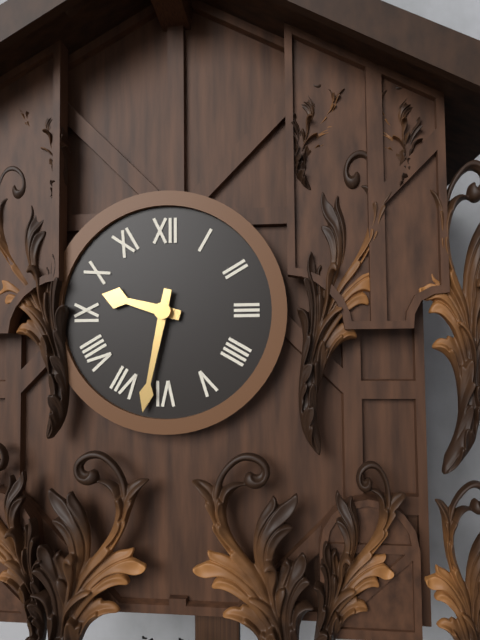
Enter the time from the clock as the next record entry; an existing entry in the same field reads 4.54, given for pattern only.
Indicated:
9.32
